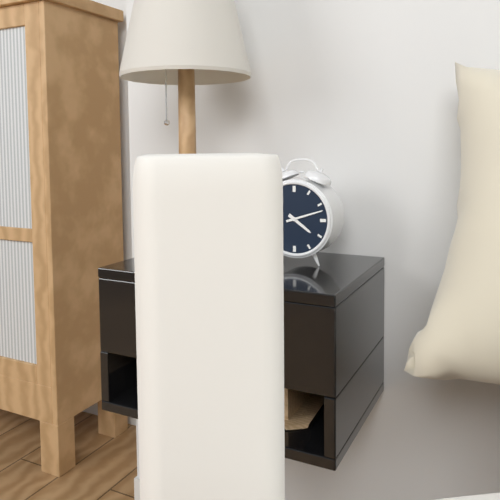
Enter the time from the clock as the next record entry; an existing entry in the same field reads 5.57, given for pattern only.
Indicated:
4.12
